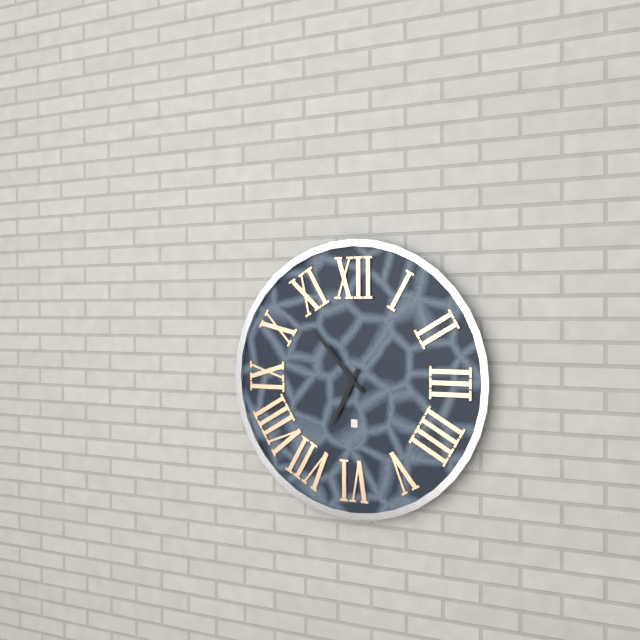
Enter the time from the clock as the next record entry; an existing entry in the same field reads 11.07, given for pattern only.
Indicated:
6.53
